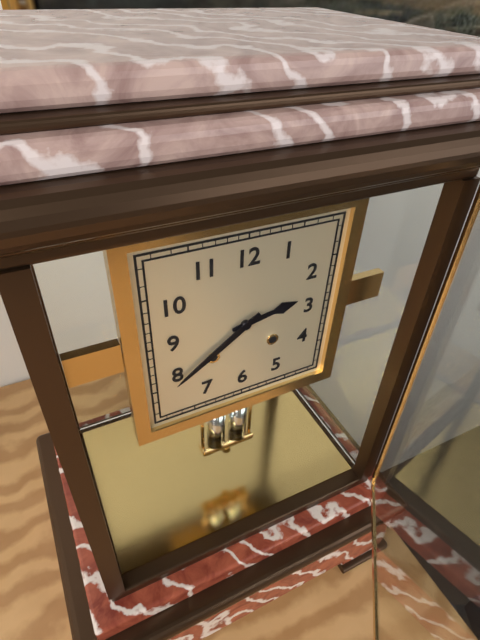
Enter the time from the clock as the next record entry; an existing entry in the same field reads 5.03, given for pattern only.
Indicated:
2.39
